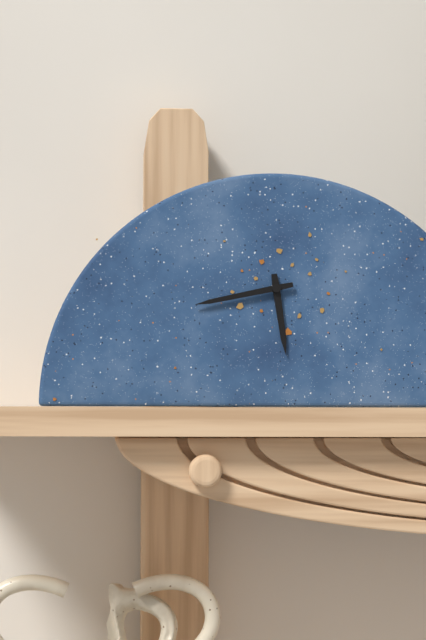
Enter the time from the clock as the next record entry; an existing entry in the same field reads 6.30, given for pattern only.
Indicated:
5.43
